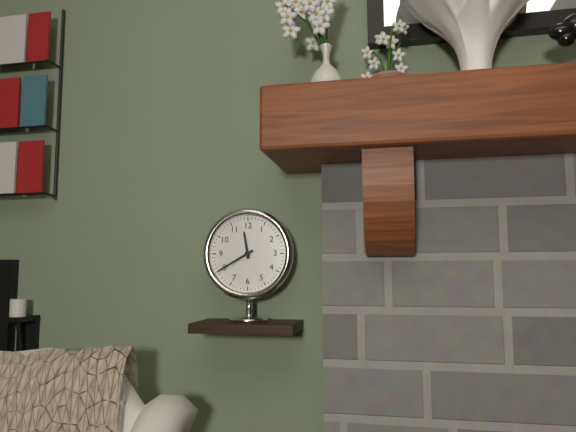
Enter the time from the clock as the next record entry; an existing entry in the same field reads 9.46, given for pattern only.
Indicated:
11.40
